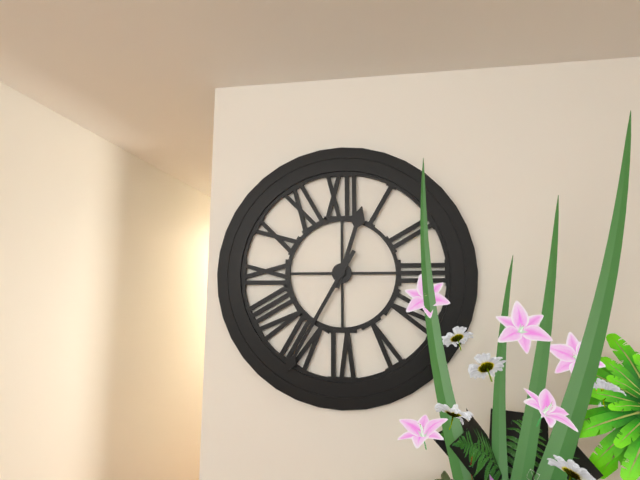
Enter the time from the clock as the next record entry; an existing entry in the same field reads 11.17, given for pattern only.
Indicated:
12.35
